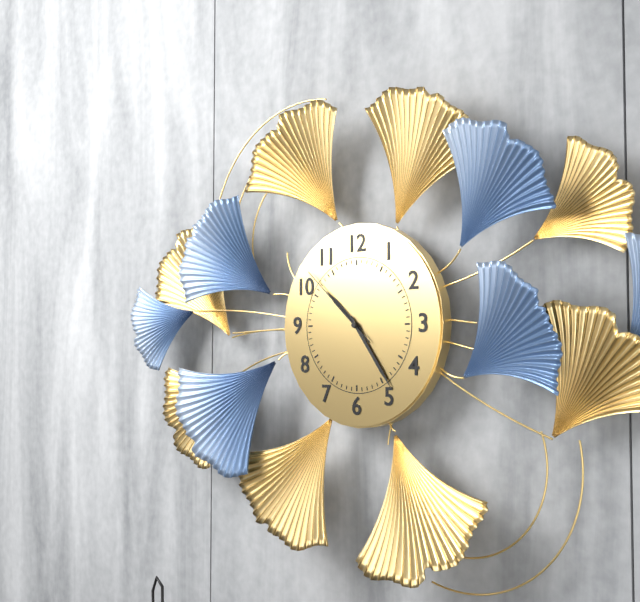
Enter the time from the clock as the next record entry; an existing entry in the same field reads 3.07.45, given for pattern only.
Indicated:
10.24.52
